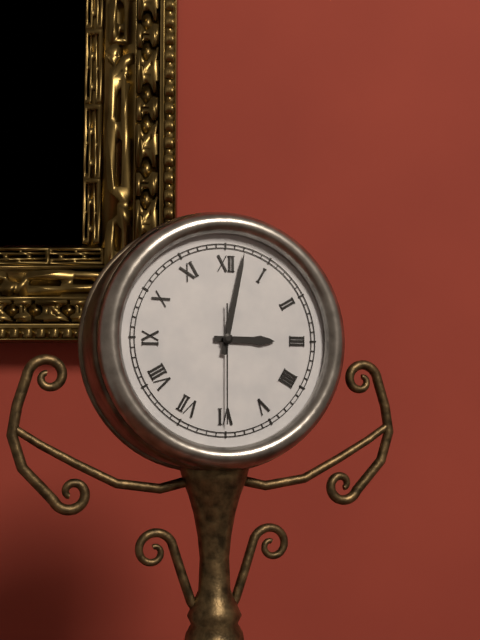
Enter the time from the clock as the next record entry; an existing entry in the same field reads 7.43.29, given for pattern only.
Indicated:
3.02.30
